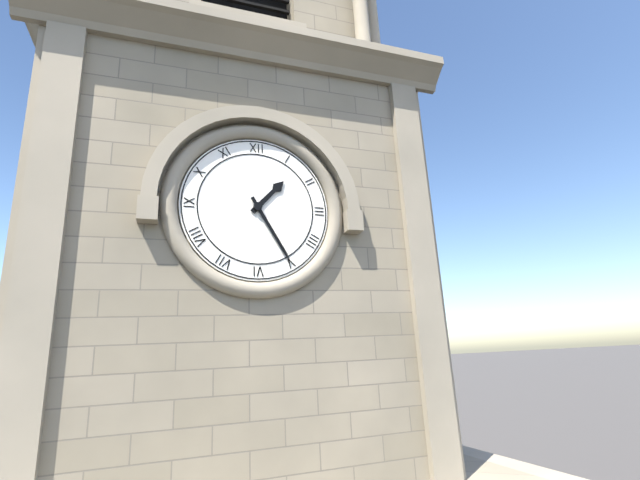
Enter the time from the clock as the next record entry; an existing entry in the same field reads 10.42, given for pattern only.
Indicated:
1.25
